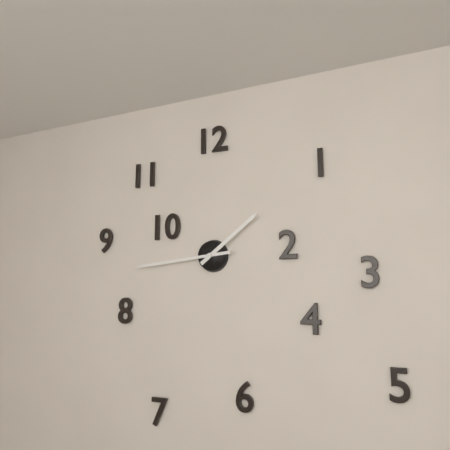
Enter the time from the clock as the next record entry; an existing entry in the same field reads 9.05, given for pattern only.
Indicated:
1.44
